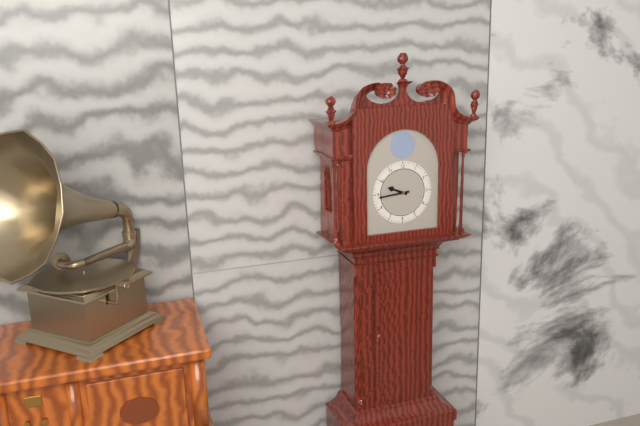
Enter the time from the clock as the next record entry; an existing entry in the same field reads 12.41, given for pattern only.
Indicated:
9.44
